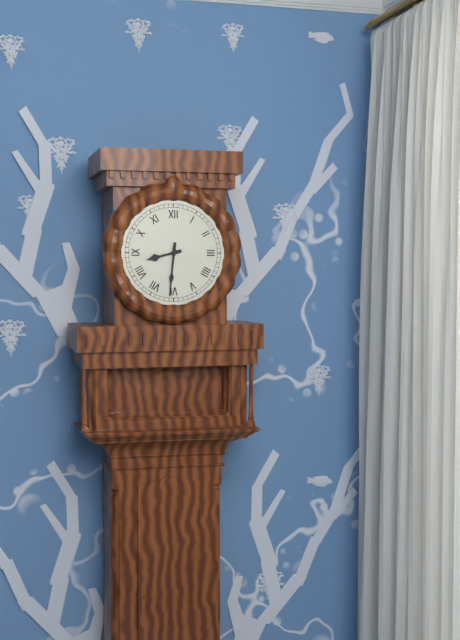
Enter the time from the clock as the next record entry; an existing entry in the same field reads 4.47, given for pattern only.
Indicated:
8.31
